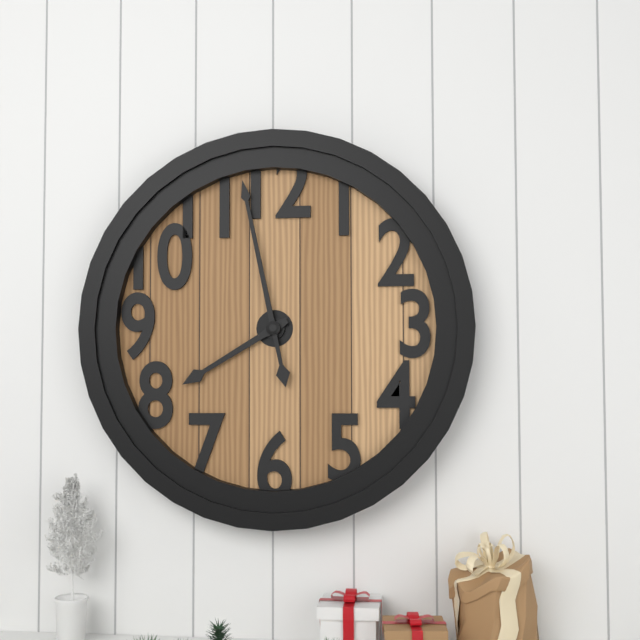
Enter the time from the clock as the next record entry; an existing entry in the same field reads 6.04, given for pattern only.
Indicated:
7.58
